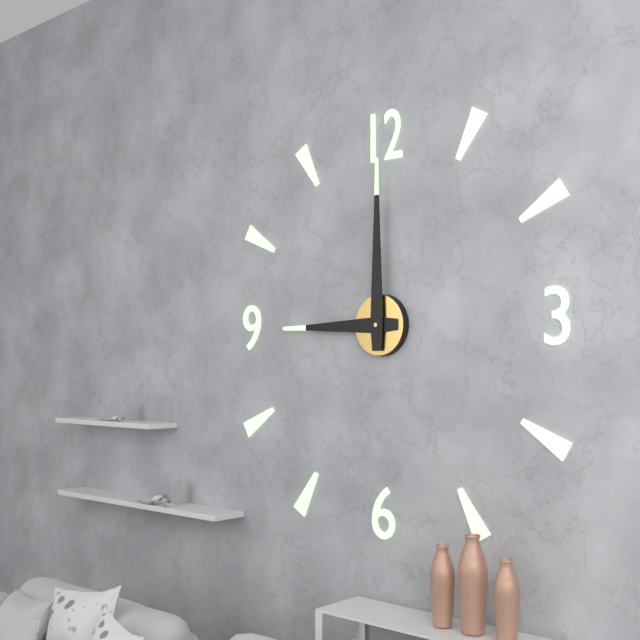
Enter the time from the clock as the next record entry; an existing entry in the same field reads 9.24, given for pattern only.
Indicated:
9.00
